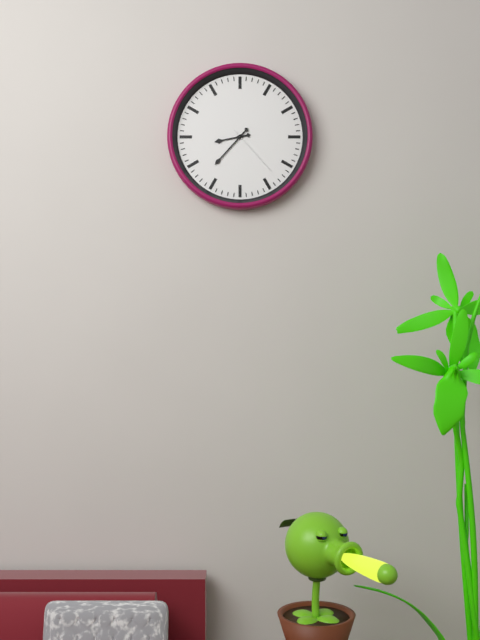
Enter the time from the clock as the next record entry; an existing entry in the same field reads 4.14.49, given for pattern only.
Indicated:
8.37.23
